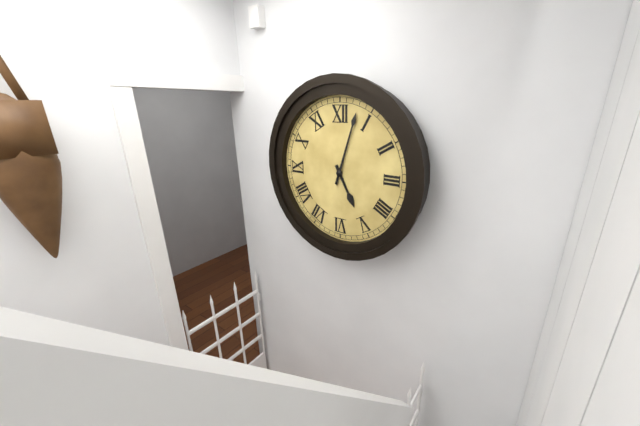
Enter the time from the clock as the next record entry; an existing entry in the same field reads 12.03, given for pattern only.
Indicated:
5.03
